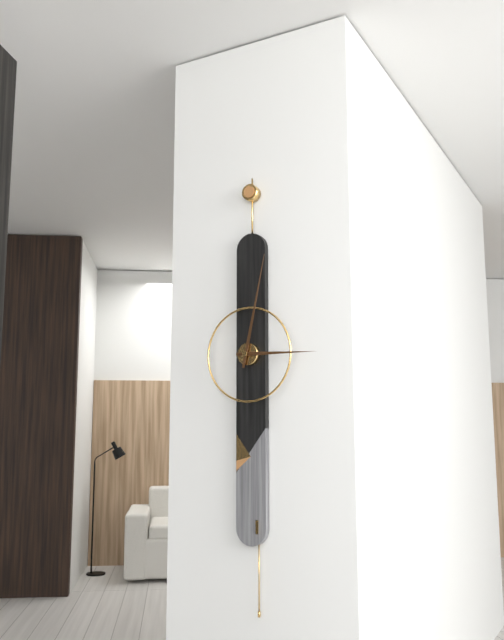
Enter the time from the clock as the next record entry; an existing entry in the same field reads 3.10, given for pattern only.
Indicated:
3.02
